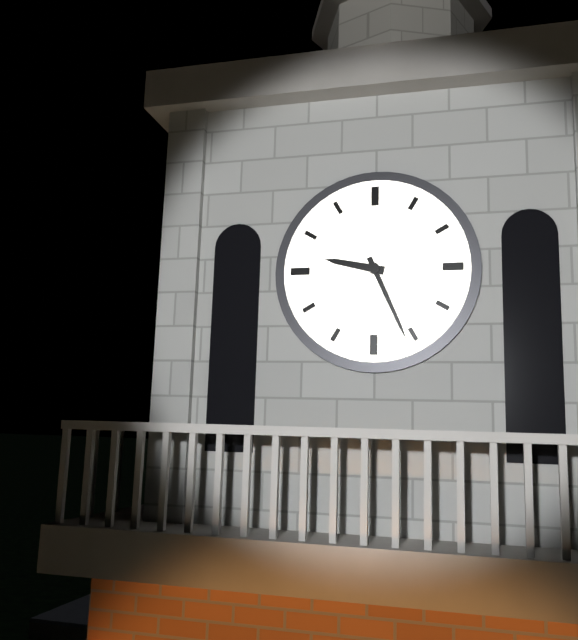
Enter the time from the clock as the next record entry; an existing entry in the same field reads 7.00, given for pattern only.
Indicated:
9.26
